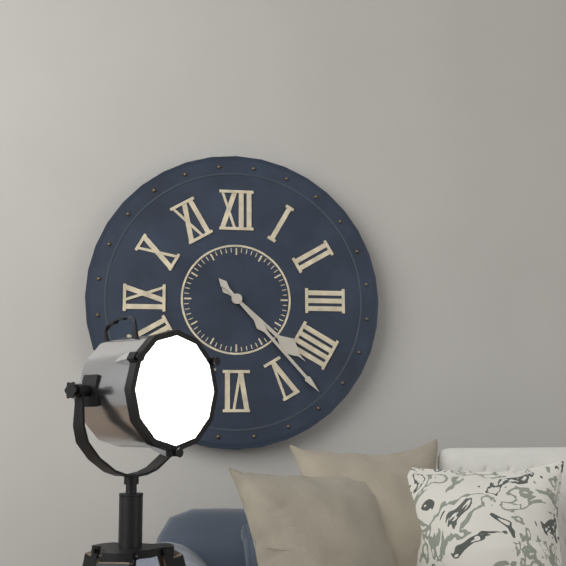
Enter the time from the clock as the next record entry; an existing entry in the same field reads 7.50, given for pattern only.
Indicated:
4.23
